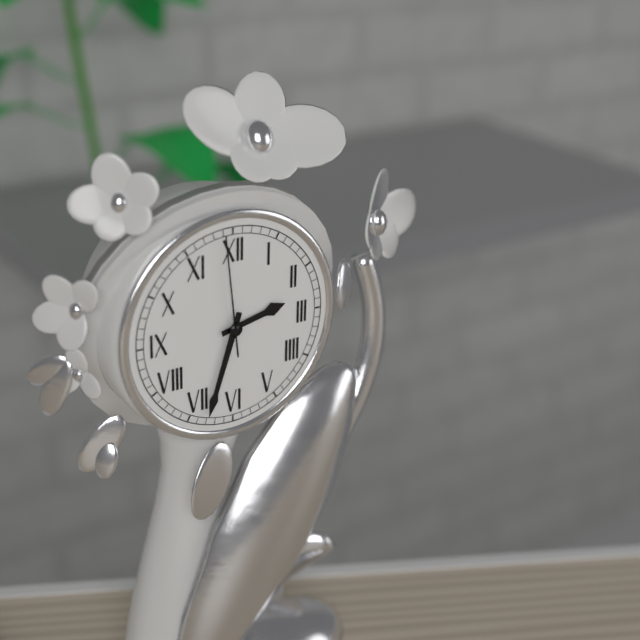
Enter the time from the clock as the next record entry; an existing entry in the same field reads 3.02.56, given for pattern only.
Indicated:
2.33.59
